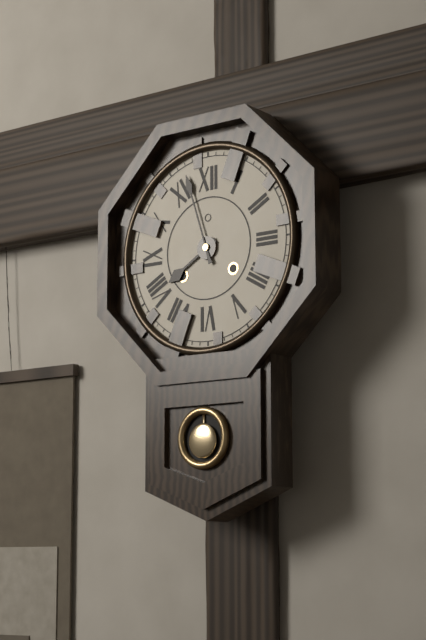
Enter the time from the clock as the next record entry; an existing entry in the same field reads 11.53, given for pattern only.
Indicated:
7.57
